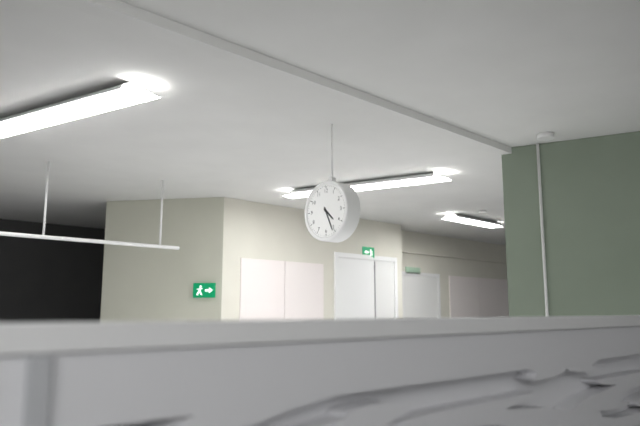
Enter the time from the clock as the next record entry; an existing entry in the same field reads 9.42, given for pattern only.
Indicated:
4.26
